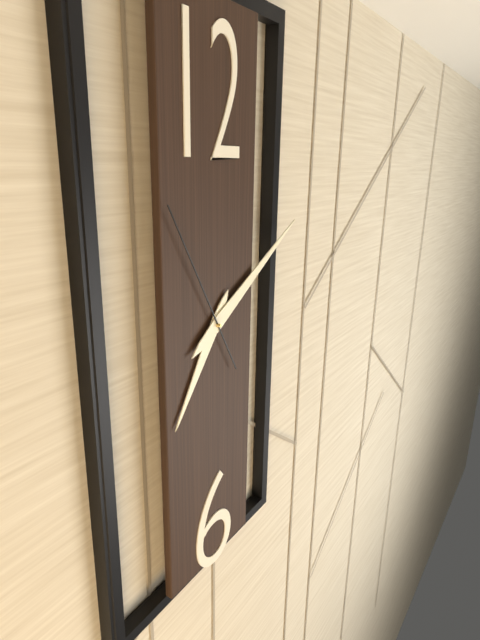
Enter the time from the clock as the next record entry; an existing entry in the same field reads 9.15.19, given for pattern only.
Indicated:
7.10.55
